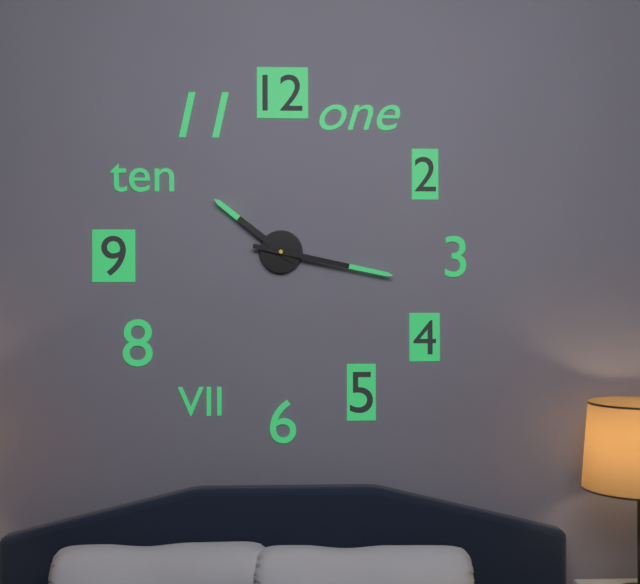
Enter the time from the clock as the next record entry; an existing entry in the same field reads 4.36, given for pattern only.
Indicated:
10.17
